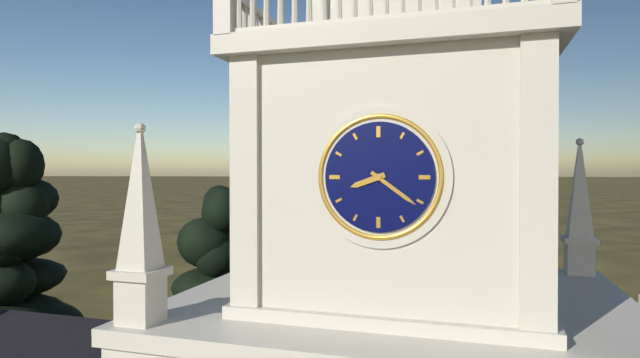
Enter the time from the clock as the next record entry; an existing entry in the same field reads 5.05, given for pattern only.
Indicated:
8.21
